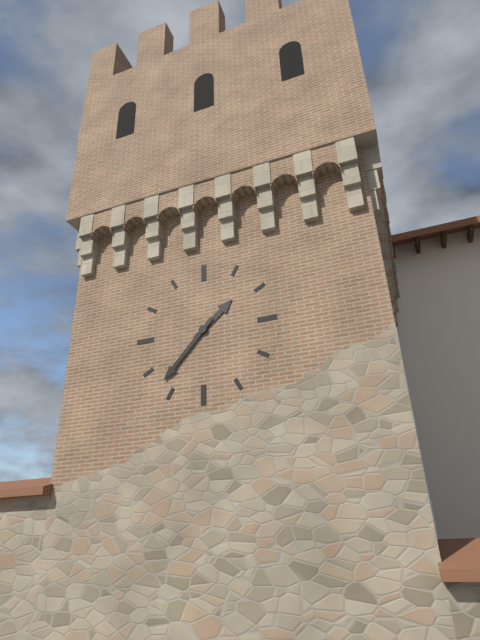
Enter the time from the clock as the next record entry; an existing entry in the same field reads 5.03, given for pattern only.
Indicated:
1.37
